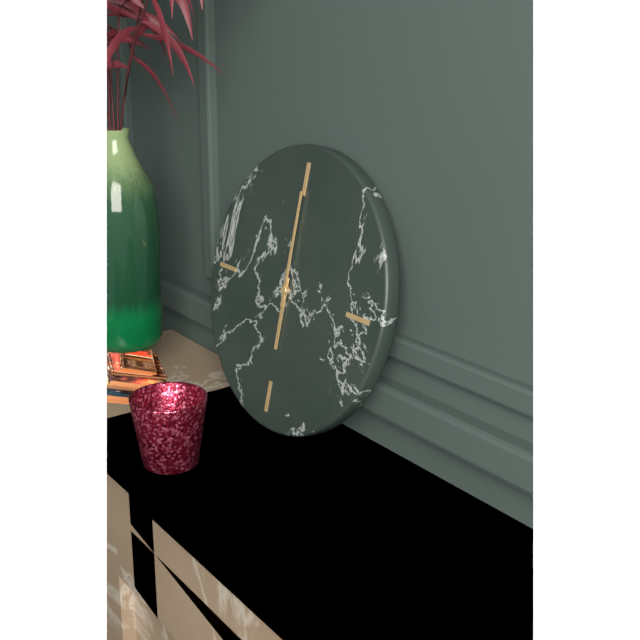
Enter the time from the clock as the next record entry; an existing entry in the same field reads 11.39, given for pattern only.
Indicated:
6.00
